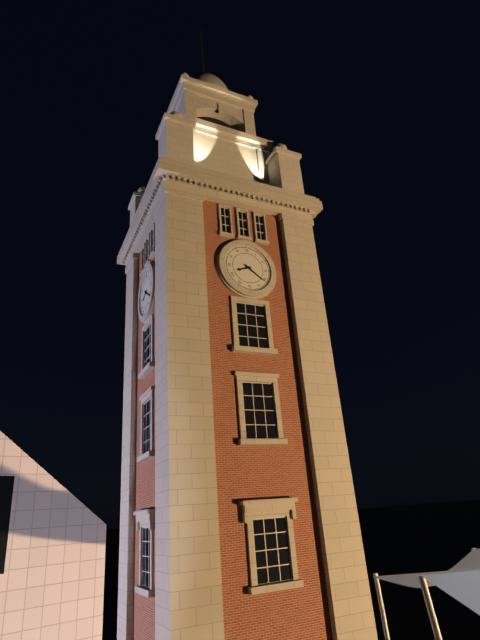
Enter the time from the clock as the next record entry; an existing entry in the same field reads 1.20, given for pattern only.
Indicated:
8.21
